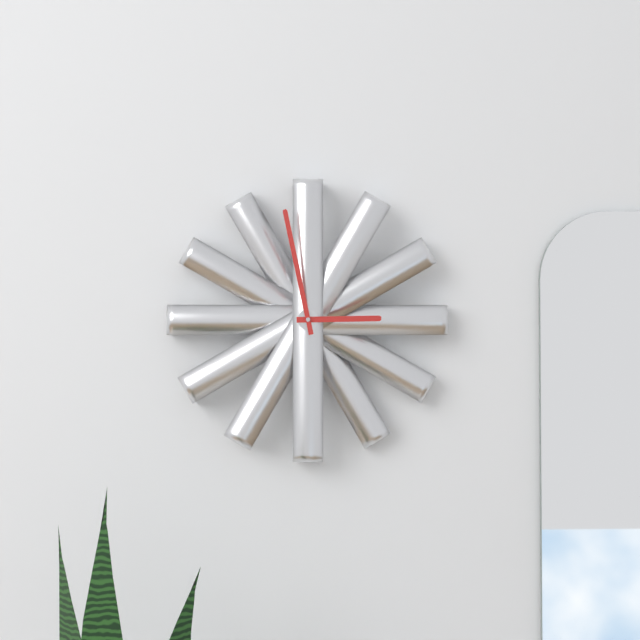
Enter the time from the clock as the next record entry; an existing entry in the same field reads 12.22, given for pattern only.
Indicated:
2.58
